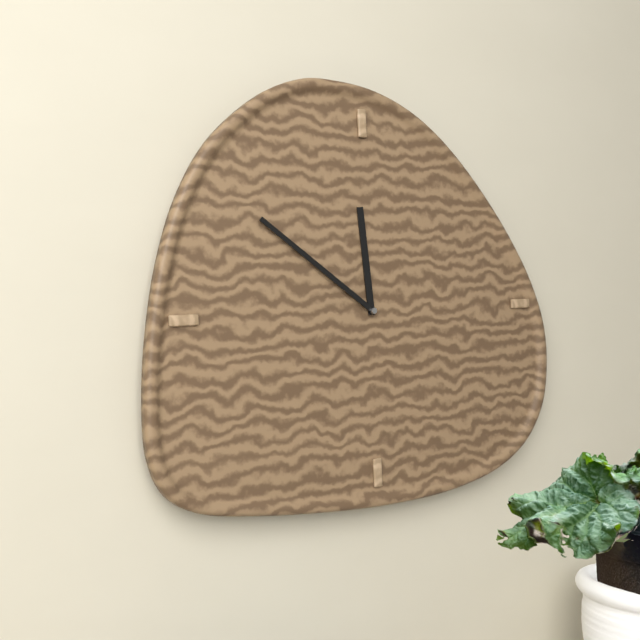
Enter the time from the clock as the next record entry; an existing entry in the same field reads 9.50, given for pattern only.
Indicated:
11.51
